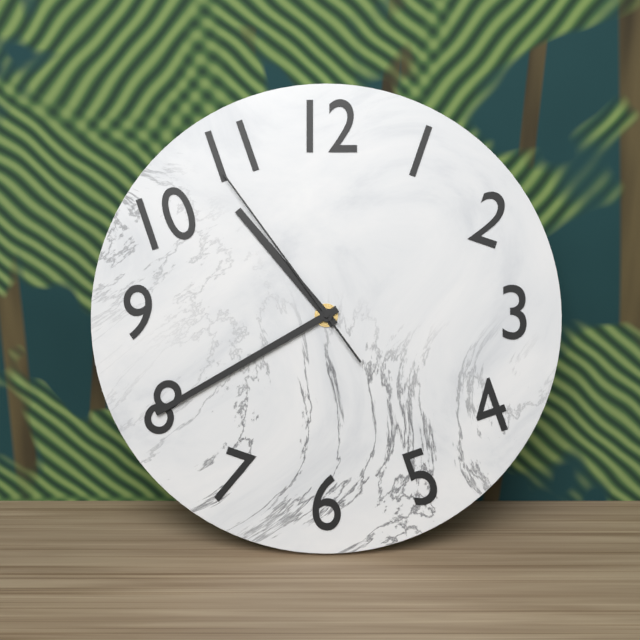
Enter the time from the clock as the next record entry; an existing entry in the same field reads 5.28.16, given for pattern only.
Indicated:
10.40.54
